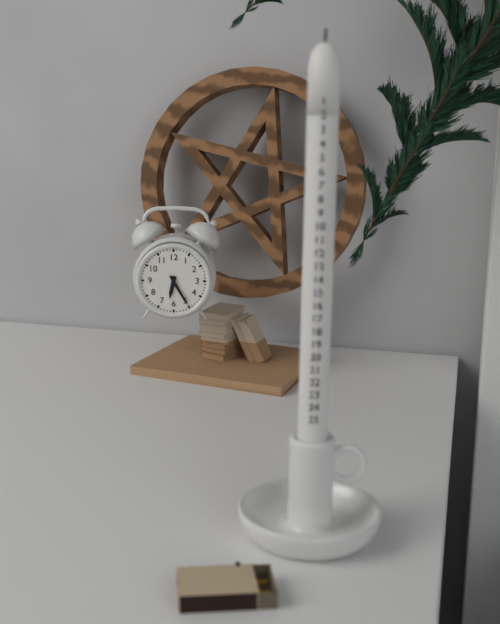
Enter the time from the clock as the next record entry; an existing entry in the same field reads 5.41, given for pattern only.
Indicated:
6.25
